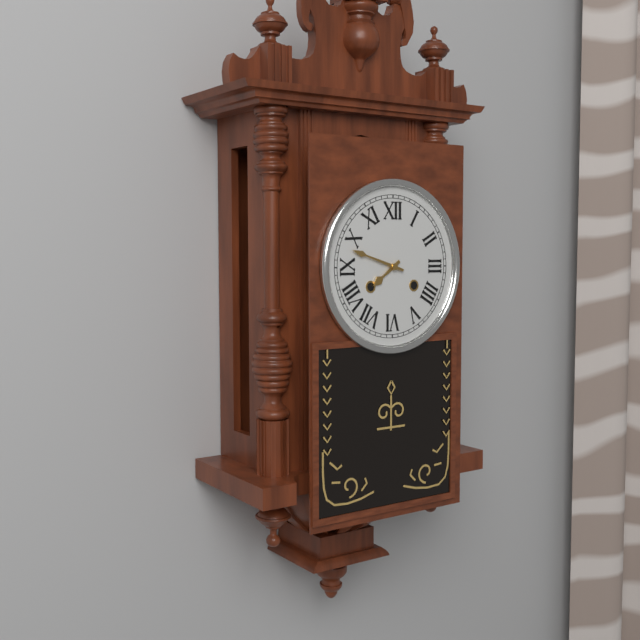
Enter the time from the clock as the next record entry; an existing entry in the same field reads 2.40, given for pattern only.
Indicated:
7.48
